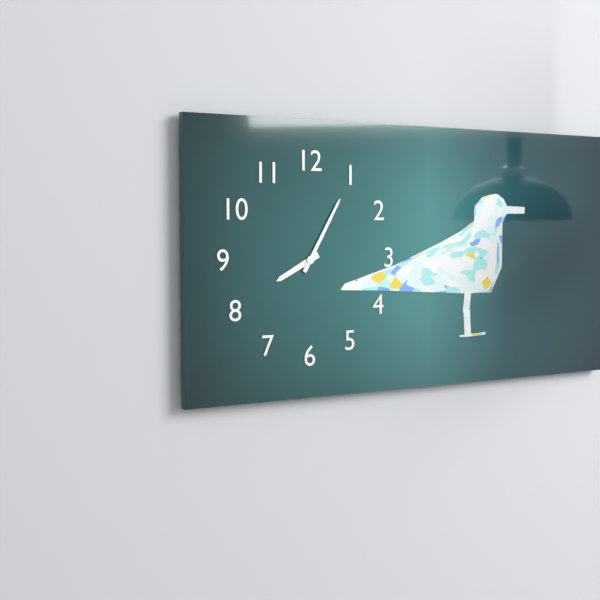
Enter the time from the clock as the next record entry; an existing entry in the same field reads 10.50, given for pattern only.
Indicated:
8.05
